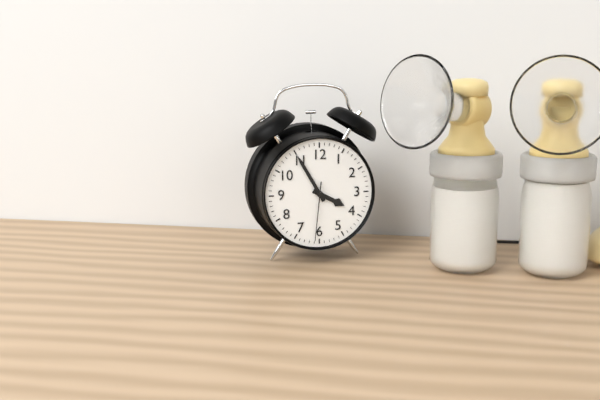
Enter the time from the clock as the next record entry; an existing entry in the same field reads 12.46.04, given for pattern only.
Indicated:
3.55.31
